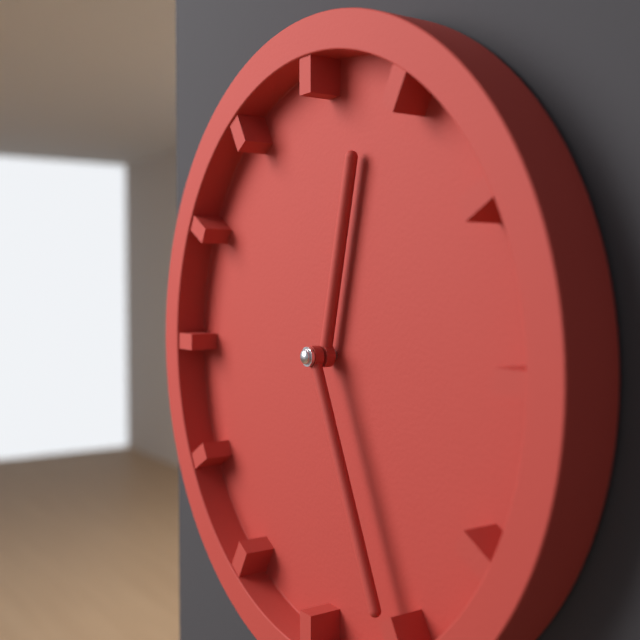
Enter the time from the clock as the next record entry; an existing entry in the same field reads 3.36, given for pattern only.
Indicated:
12.26
